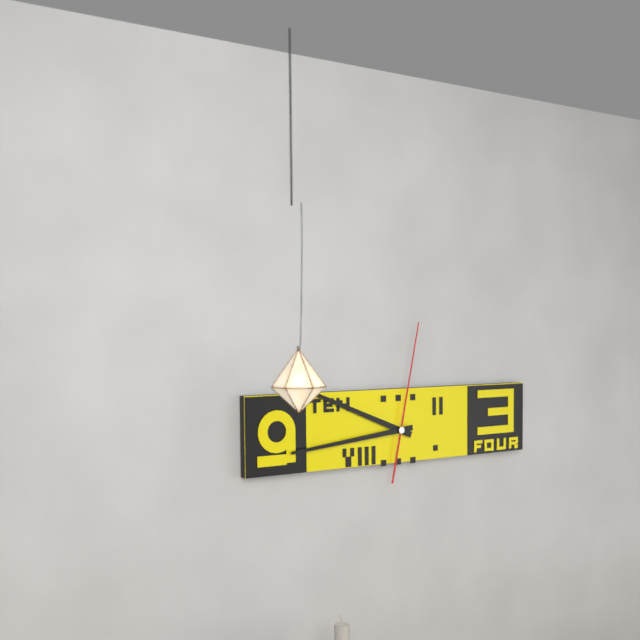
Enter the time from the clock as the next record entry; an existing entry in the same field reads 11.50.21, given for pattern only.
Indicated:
9.44.02
